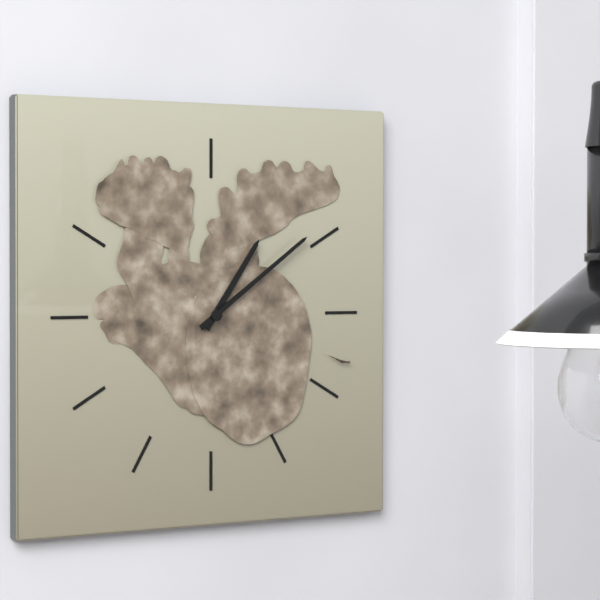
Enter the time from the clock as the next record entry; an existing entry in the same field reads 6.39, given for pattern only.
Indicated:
1.09
